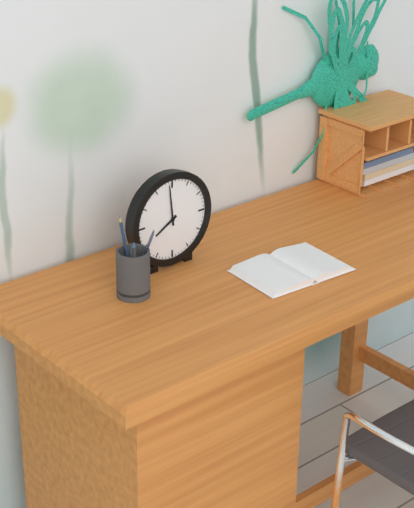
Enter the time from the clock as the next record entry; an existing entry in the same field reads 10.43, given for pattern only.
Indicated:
7.59
